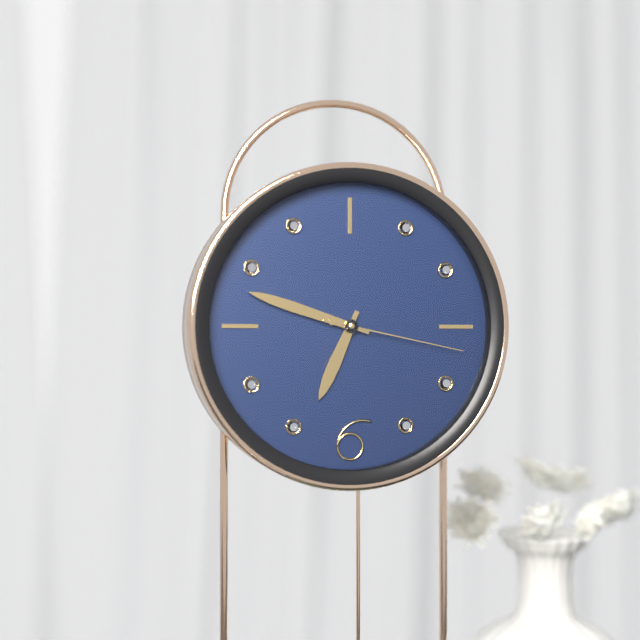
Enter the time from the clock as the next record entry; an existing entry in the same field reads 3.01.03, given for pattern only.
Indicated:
6.48.17
